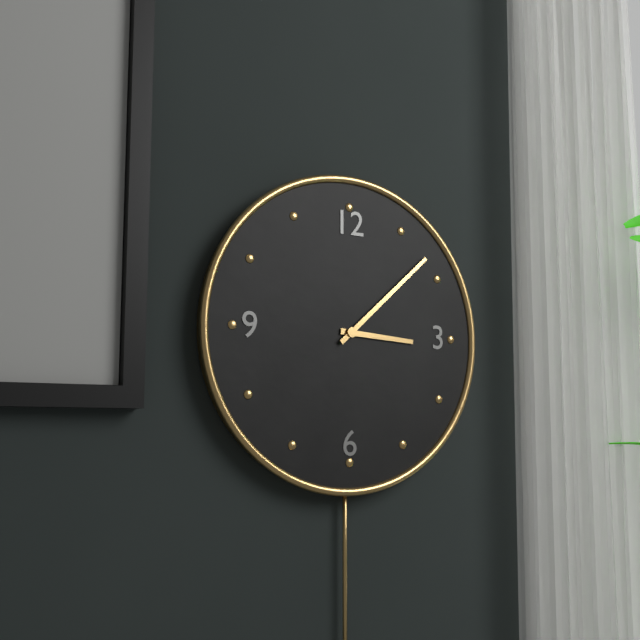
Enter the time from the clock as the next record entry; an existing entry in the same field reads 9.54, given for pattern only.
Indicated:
3.08
